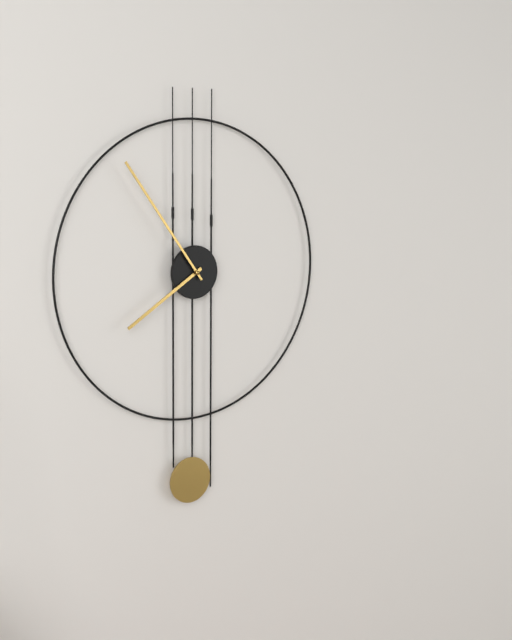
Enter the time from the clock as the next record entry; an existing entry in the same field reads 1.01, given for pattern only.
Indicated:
7.54
